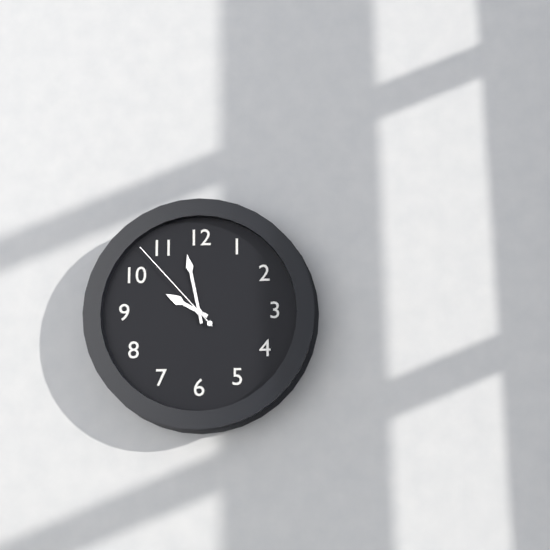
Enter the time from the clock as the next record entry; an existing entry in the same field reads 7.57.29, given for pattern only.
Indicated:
9.58.53
